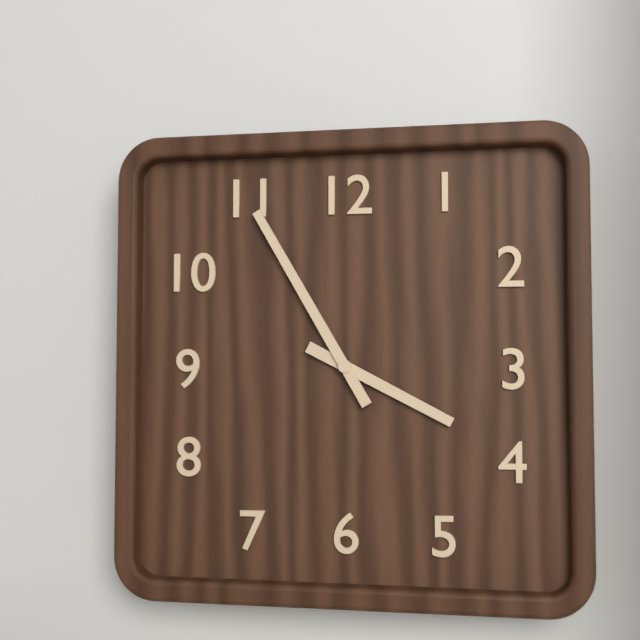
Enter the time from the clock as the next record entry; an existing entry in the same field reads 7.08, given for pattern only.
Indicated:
3.55
